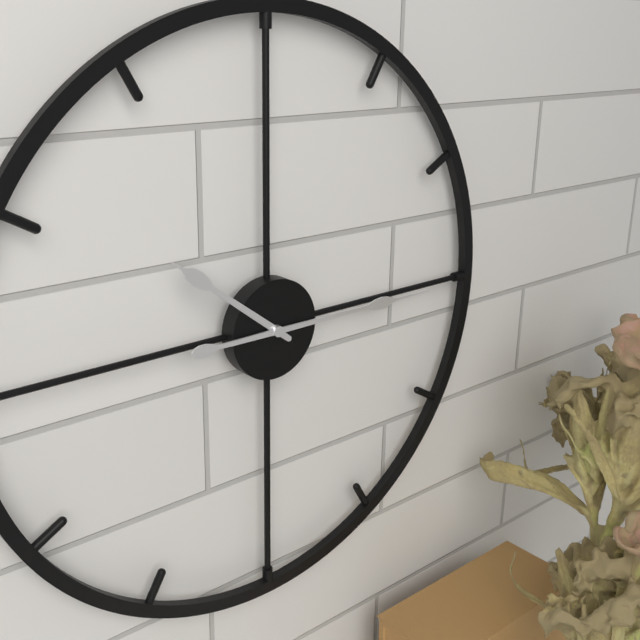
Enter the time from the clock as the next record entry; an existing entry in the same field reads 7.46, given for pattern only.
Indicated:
10.15
